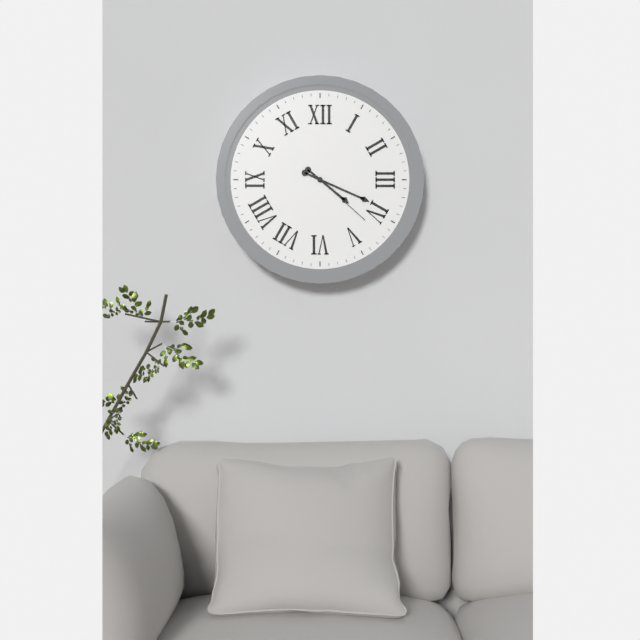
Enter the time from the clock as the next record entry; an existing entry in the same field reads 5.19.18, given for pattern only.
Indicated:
4.19.22
